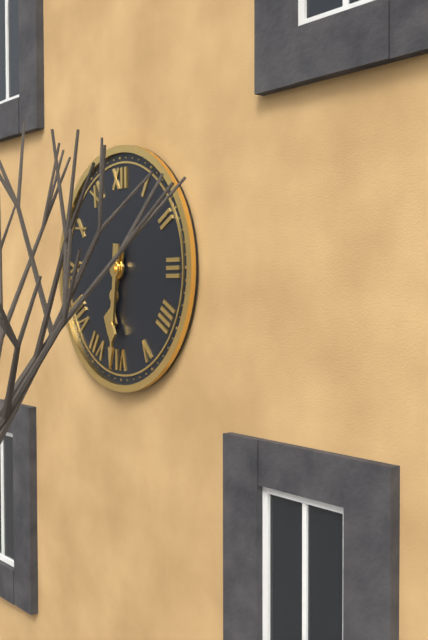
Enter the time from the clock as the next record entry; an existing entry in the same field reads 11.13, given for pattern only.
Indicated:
6.31
